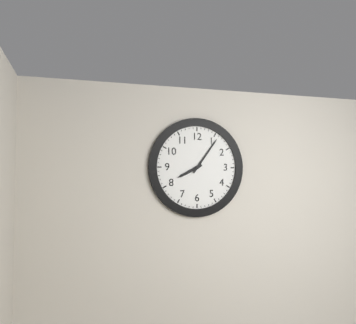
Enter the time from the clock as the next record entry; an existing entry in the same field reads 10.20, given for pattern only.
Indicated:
8.06
